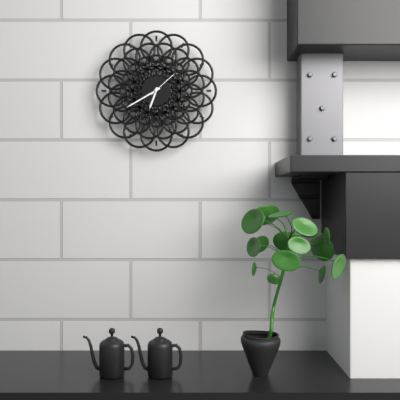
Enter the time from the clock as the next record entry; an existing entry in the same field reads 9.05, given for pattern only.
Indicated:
6.40
